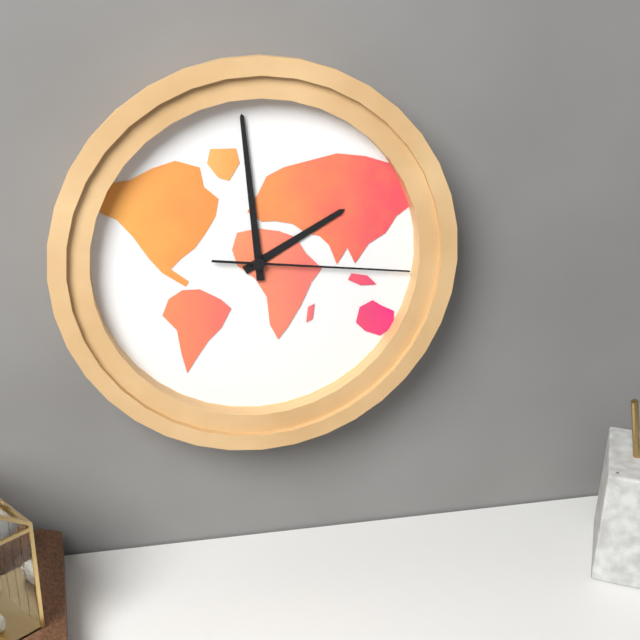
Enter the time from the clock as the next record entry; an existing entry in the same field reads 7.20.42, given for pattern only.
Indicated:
1.59.16
